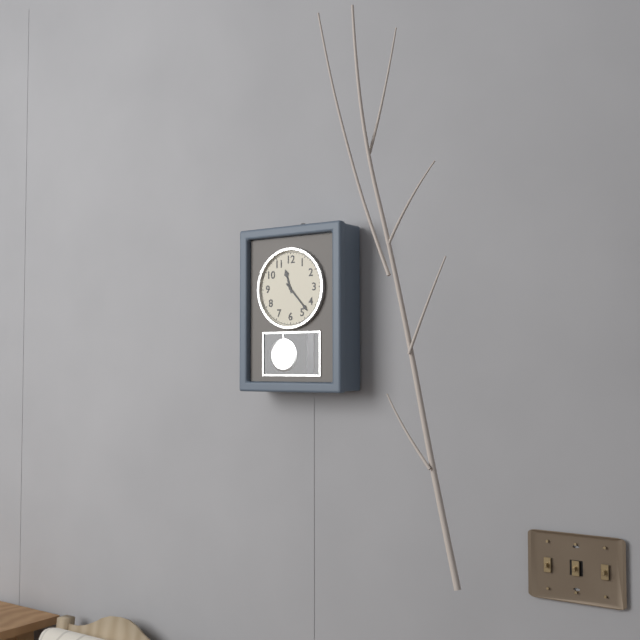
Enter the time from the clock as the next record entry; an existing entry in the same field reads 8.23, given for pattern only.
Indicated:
11.23
